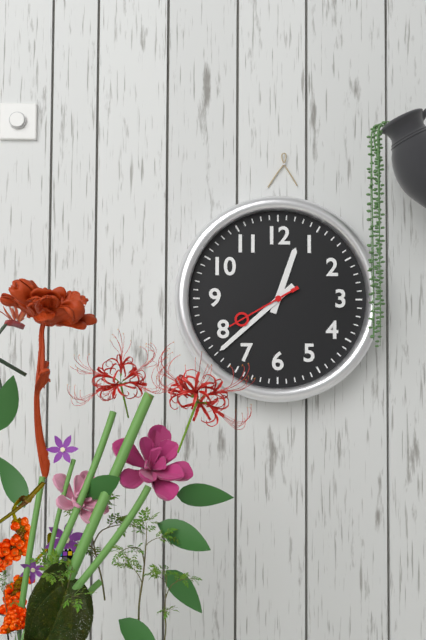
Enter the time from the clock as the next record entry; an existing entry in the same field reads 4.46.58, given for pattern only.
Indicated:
12.38.40
